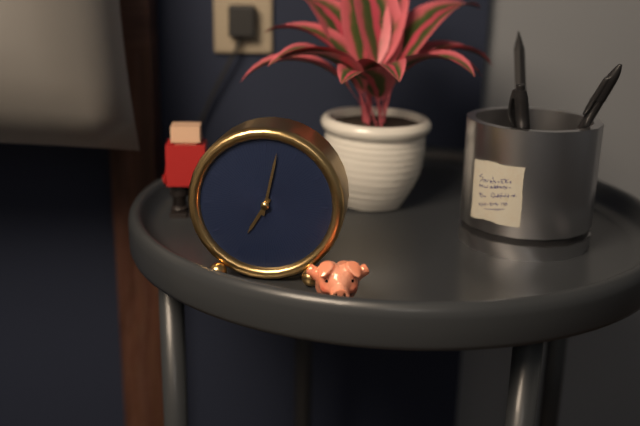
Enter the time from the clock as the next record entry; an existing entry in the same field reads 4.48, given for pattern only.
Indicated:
7.02
